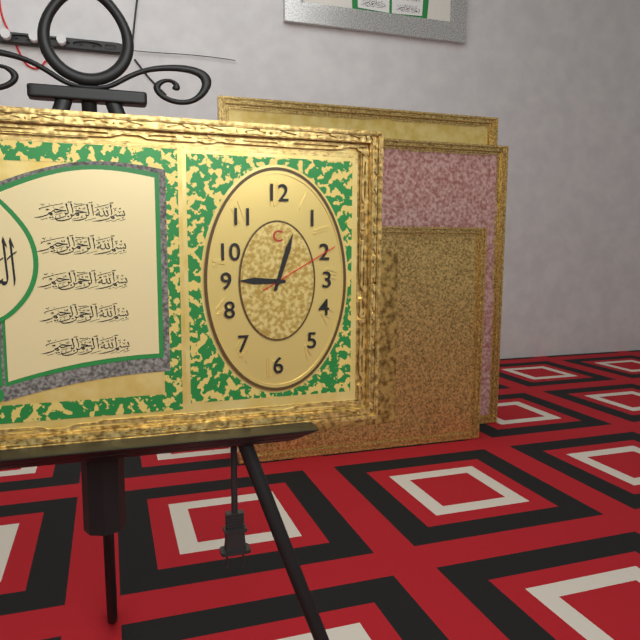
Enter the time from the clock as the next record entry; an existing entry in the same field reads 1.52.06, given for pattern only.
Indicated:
9.03.10
